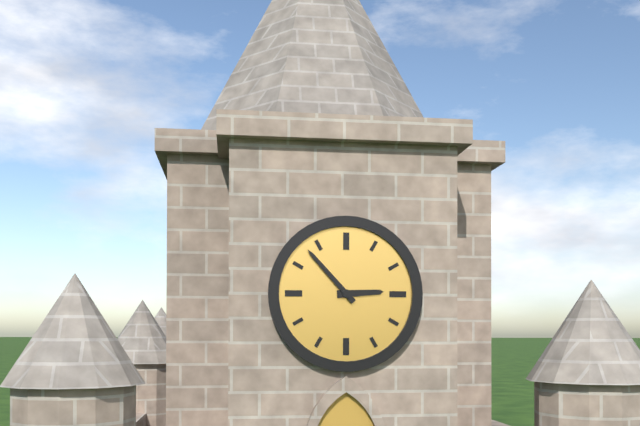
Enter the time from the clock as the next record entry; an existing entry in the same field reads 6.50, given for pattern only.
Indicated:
2.53
